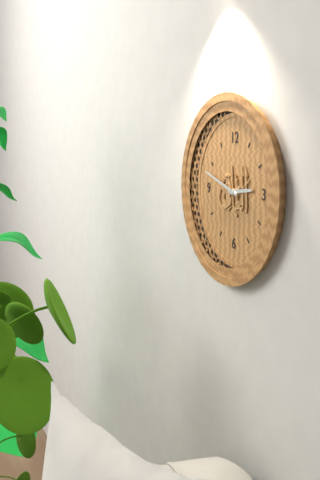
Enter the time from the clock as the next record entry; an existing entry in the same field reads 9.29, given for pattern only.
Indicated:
2.48
